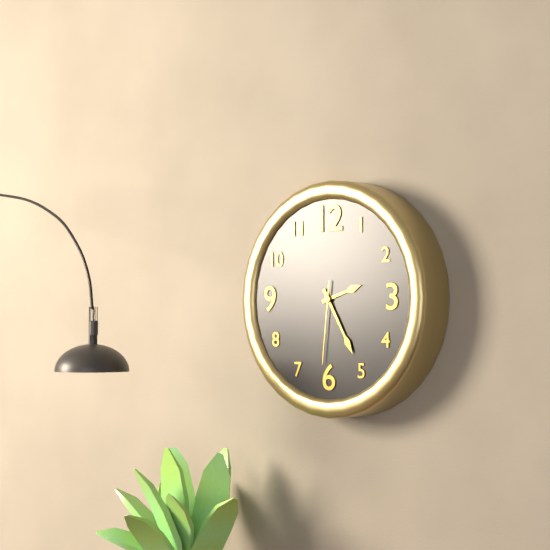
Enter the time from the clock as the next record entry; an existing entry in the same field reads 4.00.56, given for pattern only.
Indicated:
2.25.31
